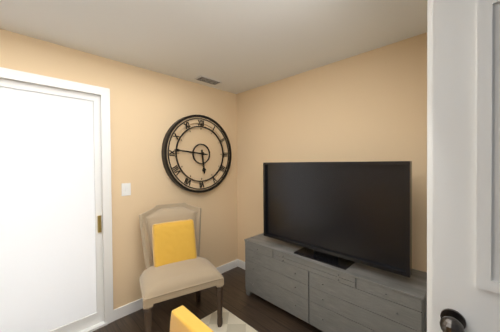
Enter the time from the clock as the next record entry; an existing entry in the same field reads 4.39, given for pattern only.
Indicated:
5.46
